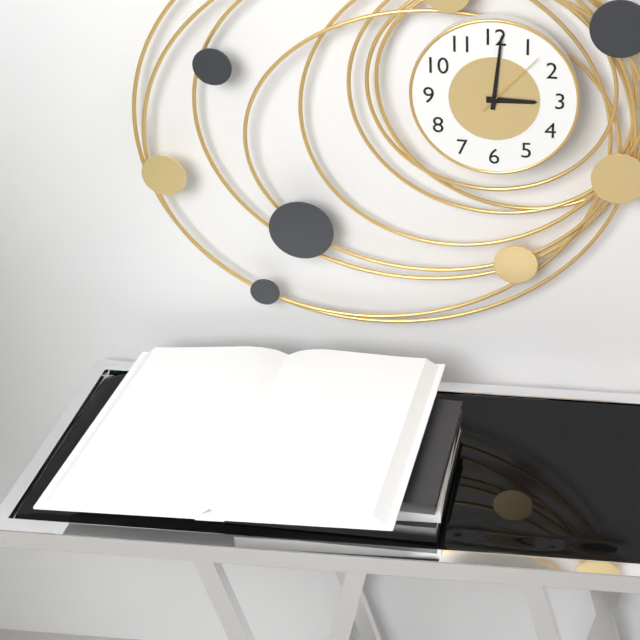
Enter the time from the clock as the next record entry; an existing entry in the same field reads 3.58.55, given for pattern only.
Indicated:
3.01.07
